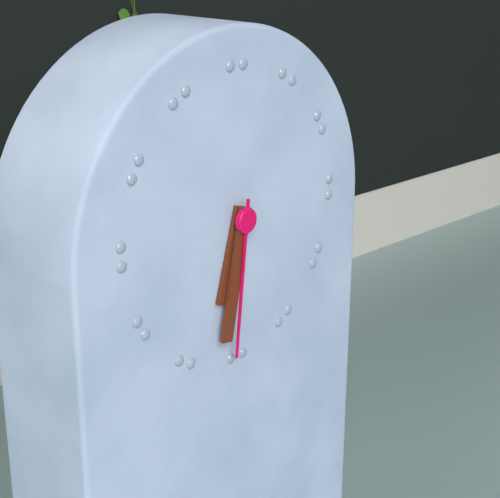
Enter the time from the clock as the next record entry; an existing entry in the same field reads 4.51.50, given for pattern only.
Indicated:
6.32.31
